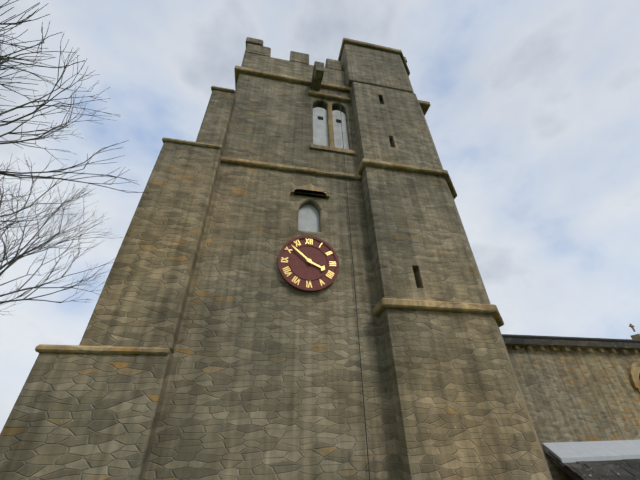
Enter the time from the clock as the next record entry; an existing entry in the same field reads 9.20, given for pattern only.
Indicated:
3.52
